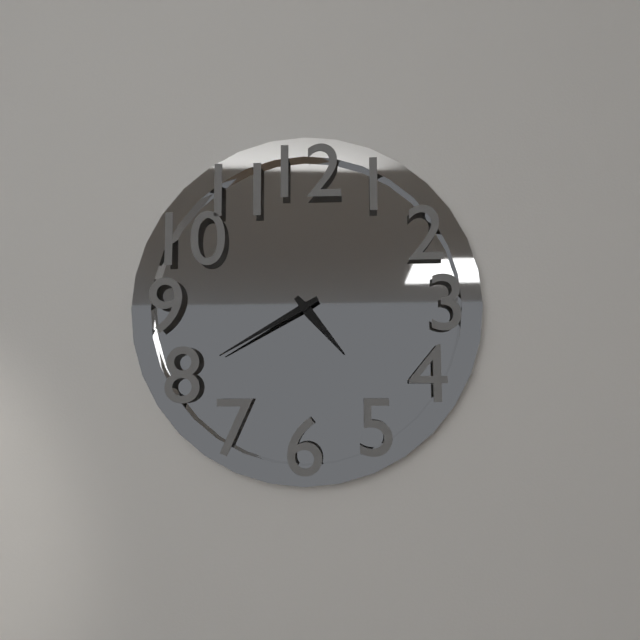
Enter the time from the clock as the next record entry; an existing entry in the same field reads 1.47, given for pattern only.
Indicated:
4.40
